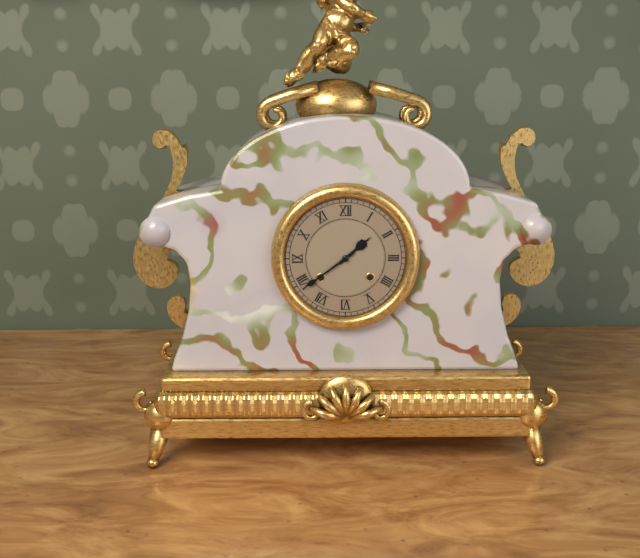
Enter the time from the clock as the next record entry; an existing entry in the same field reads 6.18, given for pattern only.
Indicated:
1.39
